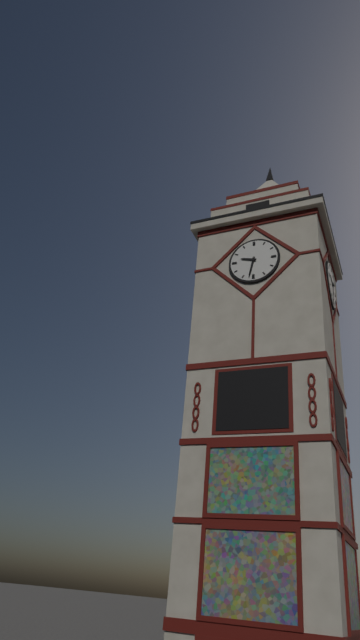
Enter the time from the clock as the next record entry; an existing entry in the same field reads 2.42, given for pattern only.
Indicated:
9.32
